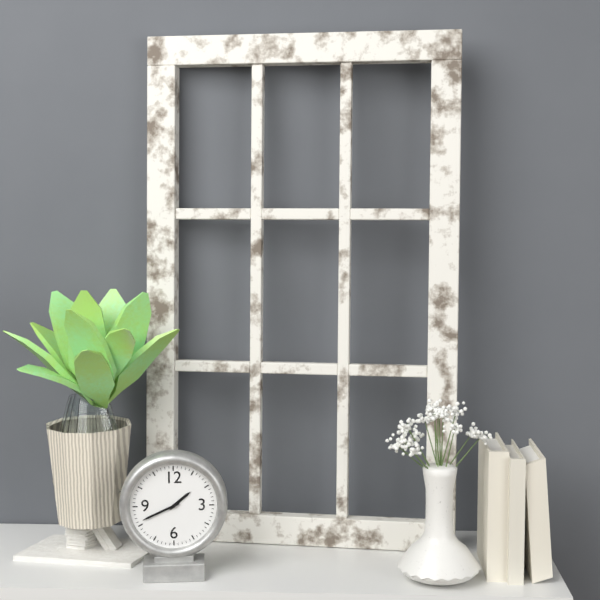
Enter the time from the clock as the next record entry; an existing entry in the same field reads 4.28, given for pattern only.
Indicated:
1.41
